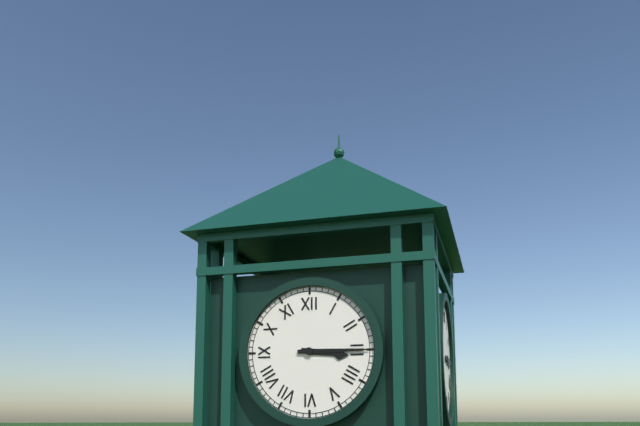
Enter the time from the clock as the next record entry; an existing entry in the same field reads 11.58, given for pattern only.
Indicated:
3.15
